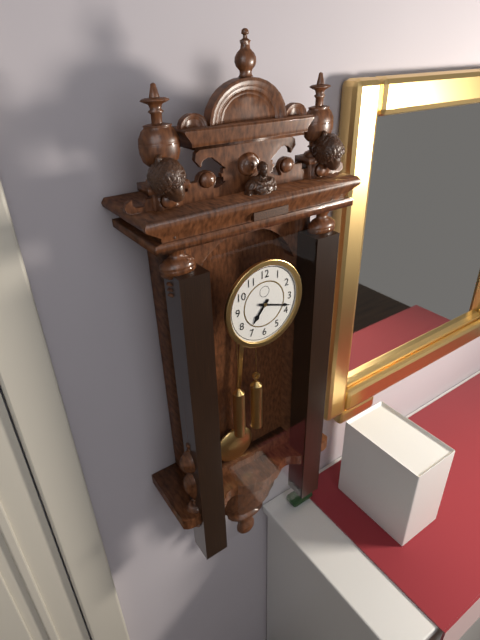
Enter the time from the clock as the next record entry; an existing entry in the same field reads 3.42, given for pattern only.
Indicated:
7.18
